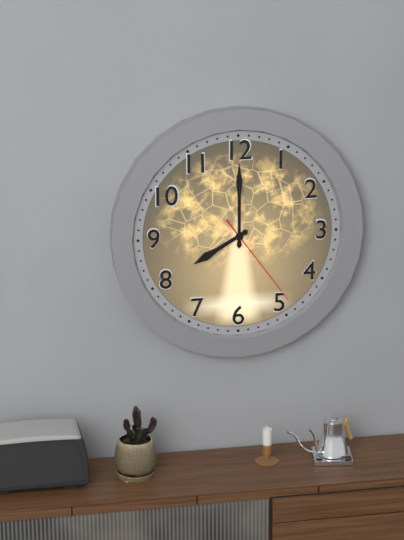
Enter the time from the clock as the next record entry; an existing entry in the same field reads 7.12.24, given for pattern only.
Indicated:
8.00.24
